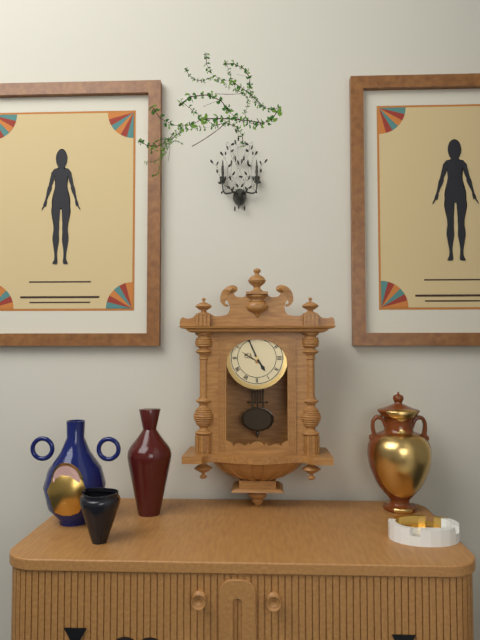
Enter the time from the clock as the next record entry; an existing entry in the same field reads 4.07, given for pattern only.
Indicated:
4.56
